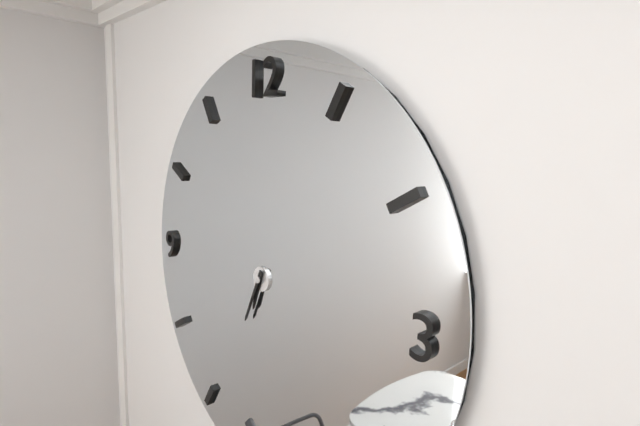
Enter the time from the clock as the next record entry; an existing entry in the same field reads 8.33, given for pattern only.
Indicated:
6.34
